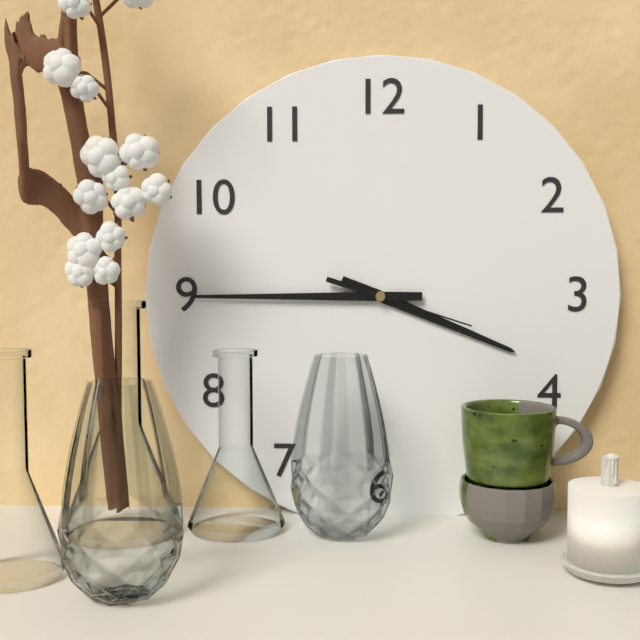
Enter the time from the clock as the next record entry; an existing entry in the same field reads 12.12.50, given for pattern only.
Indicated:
3.45.18
